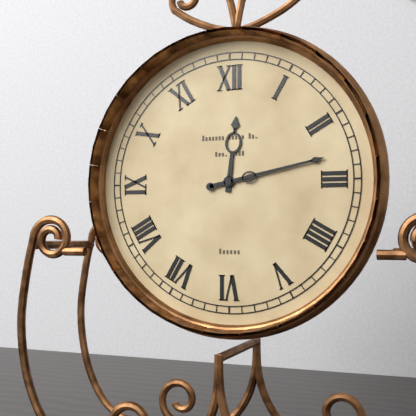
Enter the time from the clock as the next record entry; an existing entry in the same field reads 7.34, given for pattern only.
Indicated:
12.13
